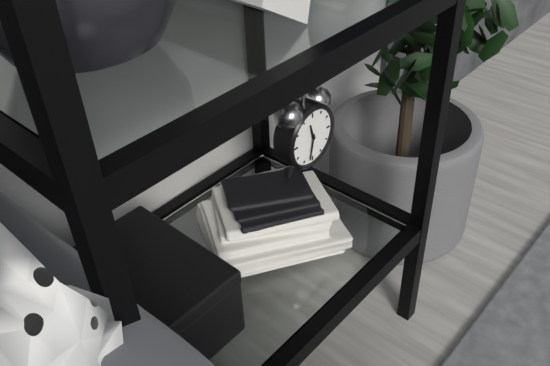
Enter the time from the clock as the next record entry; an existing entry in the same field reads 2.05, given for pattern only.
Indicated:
11.32
